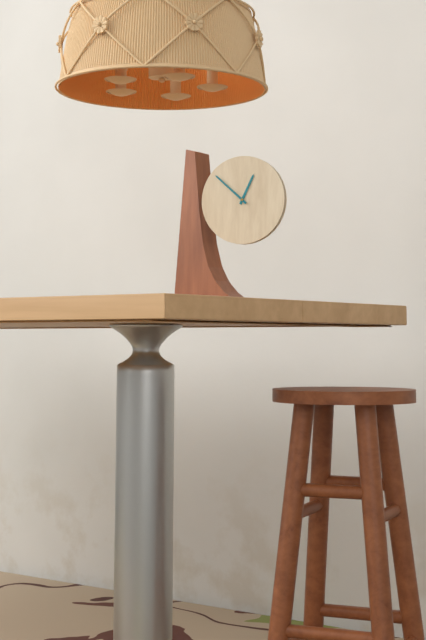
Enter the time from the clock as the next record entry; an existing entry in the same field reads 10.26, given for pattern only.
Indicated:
12.52
